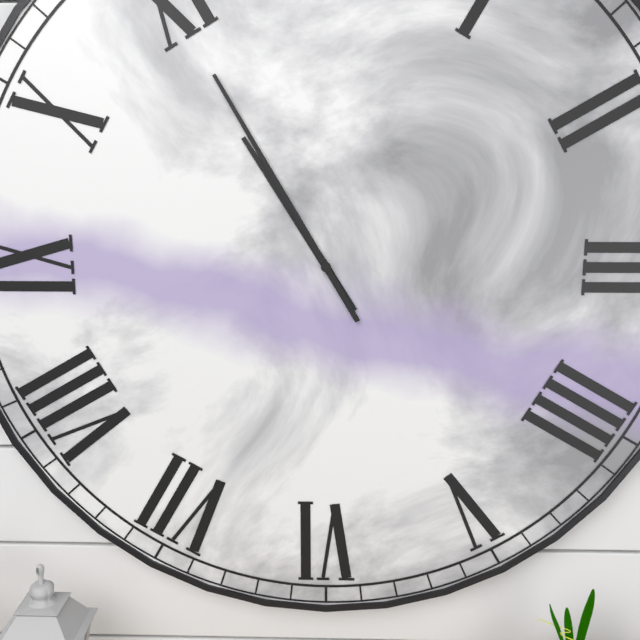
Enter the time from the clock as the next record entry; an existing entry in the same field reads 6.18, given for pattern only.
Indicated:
10.55
